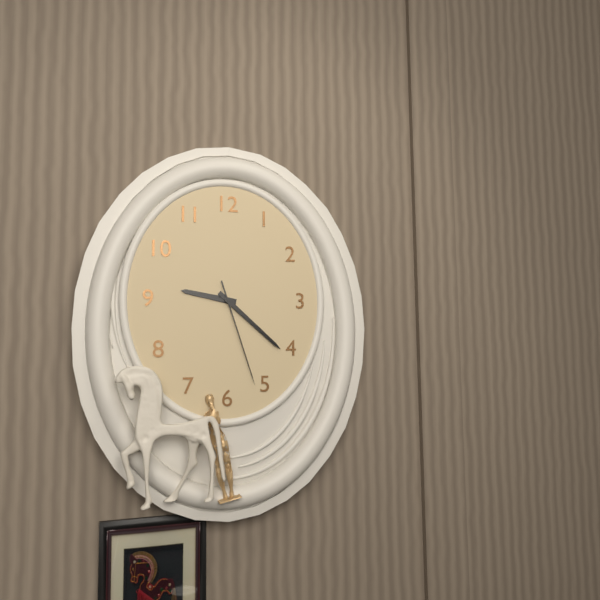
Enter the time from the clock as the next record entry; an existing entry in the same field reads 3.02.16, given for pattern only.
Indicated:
9.22.27
